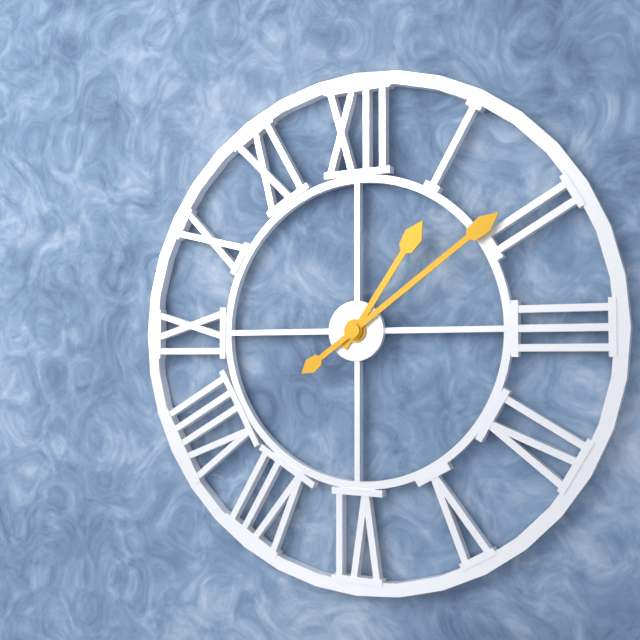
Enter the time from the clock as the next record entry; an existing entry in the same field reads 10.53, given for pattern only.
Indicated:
1.09
